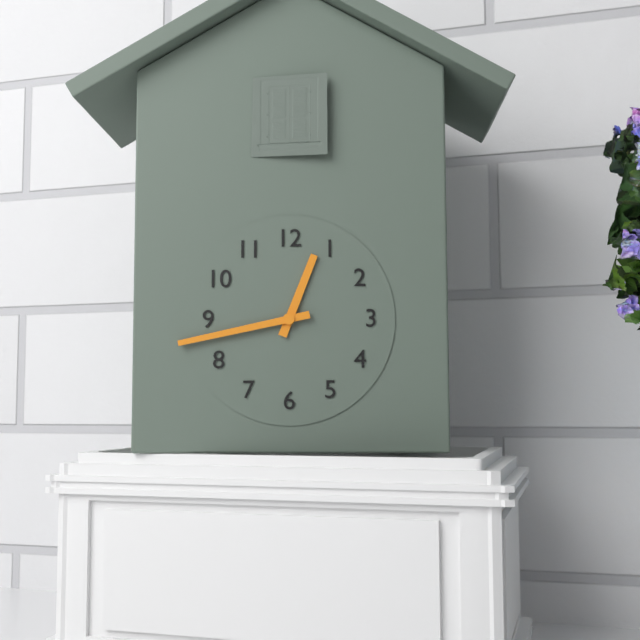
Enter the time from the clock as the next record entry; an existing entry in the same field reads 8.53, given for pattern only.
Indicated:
12.43
